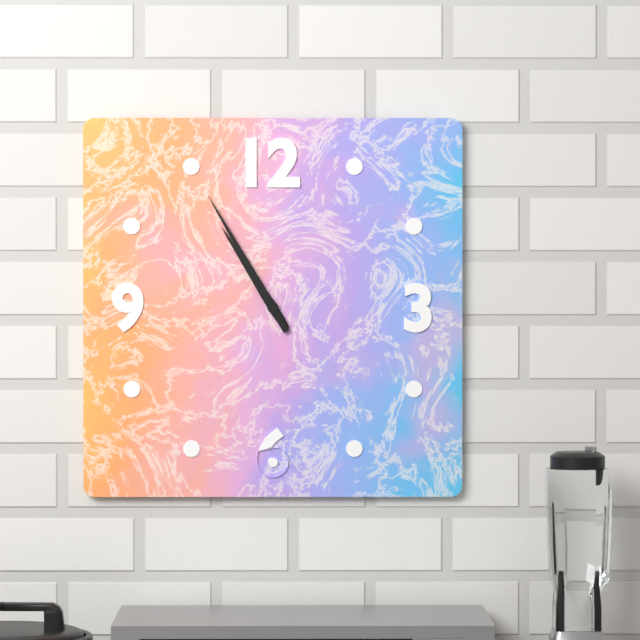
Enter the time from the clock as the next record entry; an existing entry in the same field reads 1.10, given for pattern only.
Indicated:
10.55
